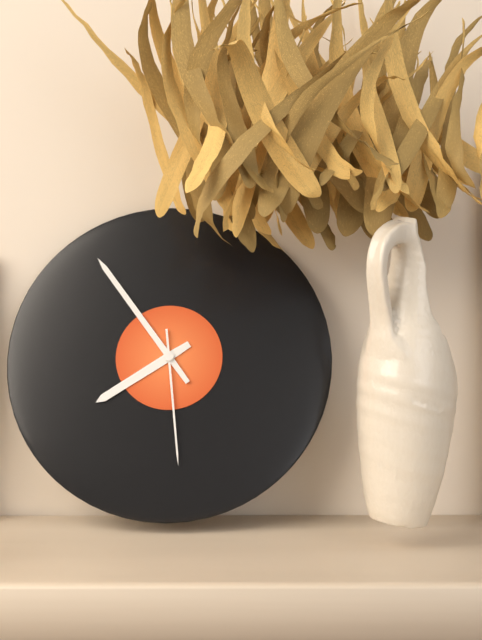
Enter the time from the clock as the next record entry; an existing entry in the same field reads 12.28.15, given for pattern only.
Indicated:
7.54.29
